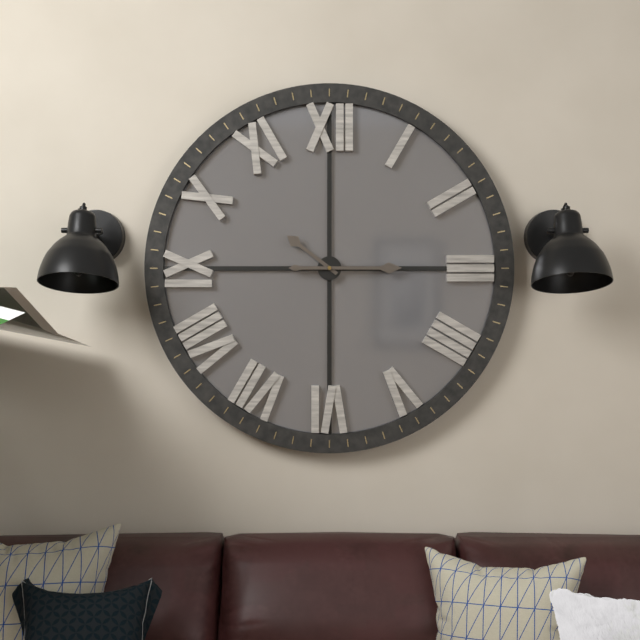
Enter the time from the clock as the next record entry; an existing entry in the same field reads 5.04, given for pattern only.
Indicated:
10.15
